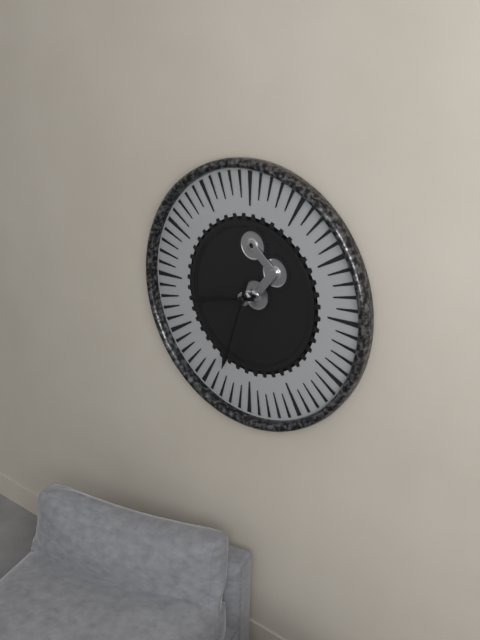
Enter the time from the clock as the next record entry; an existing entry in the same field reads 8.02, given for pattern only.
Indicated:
8.33
